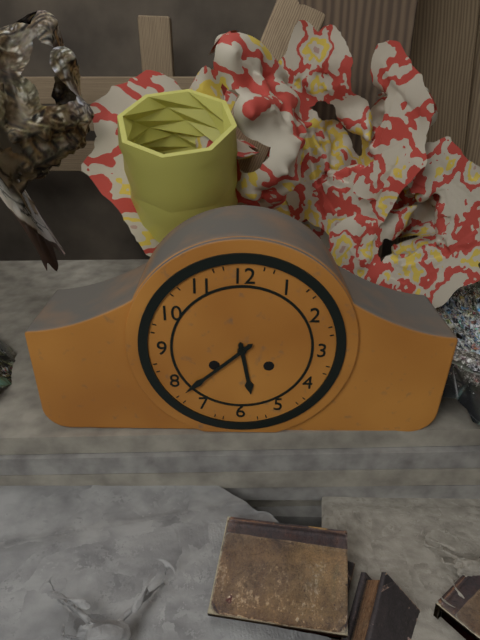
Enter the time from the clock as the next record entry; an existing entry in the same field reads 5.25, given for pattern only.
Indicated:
5.38
